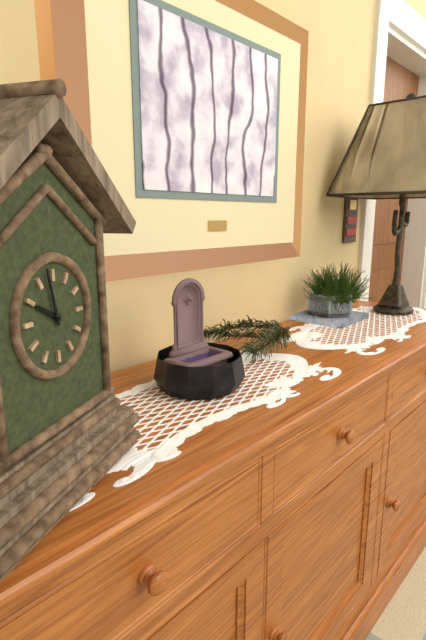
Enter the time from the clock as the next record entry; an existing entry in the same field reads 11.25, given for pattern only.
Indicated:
9.58
